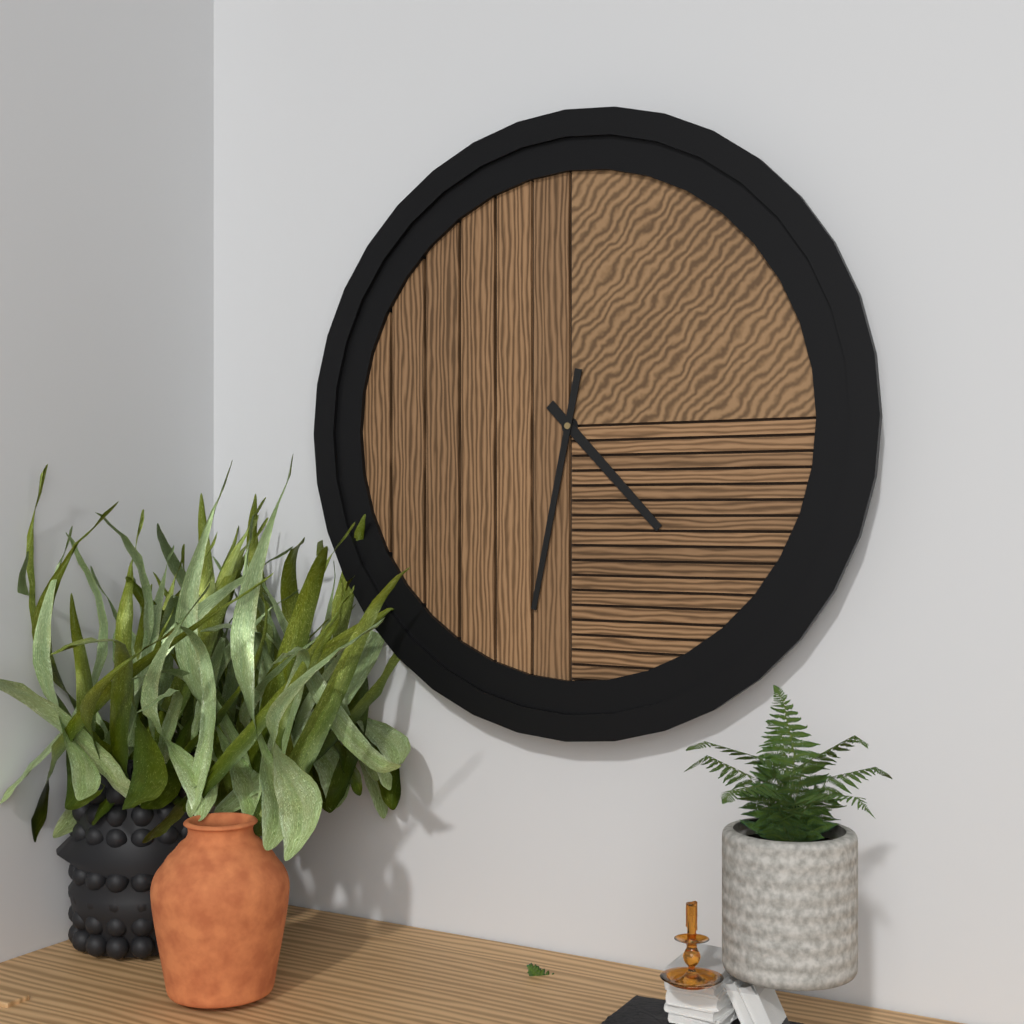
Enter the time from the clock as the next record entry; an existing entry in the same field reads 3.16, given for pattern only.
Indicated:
4.32
